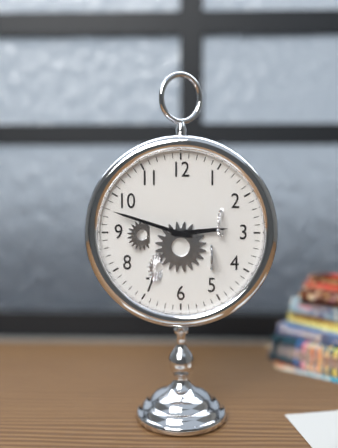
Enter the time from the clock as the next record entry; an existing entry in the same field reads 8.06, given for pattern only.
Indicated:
2.48
